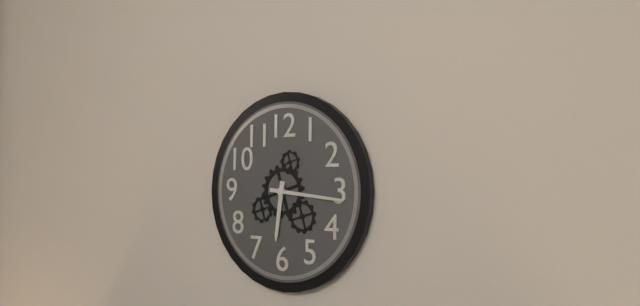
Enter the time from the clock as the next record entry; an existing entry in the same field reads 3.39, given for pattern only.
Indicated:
6.16
